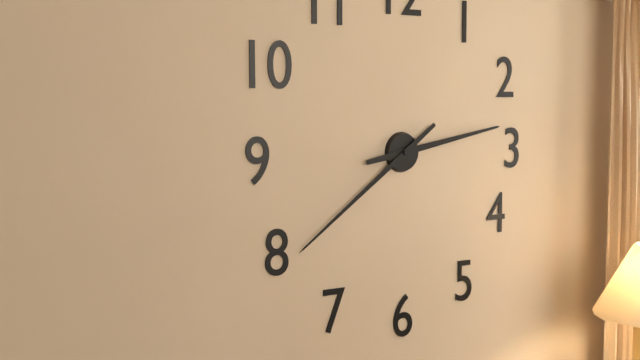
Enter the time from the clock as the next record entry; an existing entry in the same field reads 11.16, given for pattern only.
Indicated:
2.39
